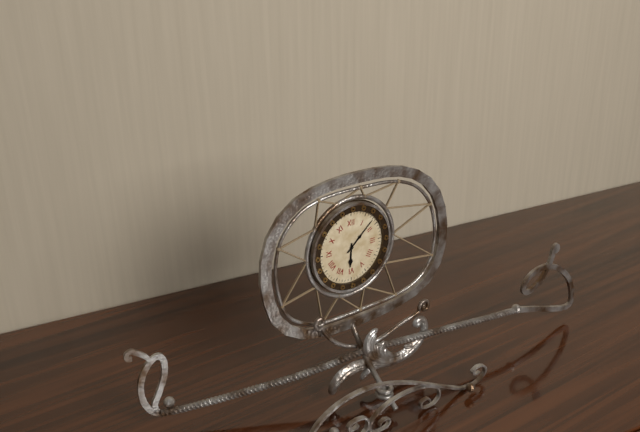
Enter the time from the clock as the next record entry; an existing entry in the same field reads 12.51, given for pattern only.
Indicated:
6.08
